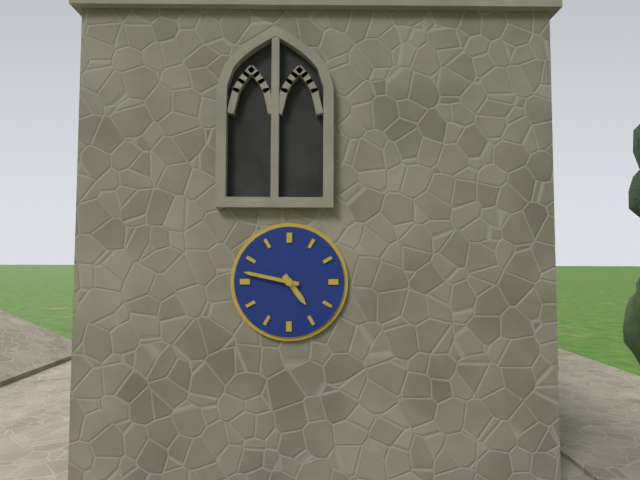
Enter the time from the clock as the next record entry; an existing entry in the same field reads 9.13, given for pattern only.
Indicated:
4.47
